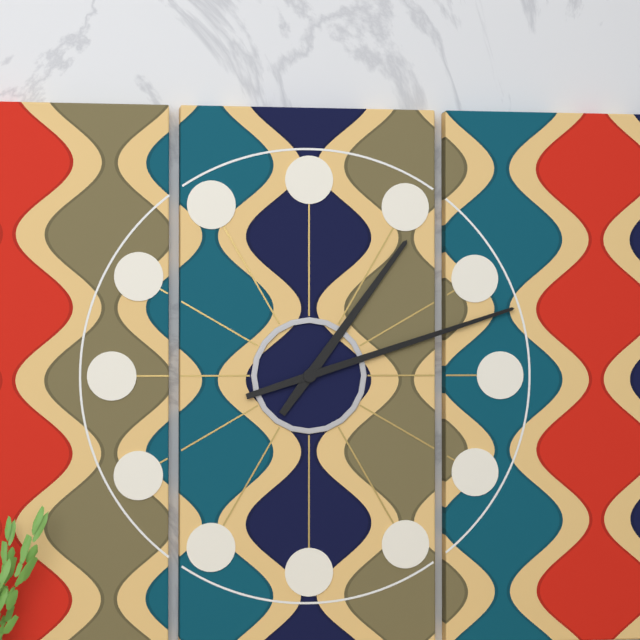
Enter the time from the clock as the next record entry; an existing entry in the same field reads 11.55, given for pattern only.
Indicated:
1.12
